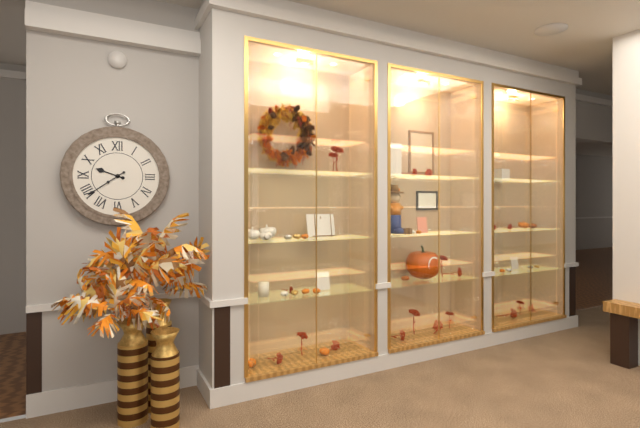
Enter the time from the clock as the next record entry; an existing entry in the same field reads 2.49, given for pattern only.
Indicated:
9.39
